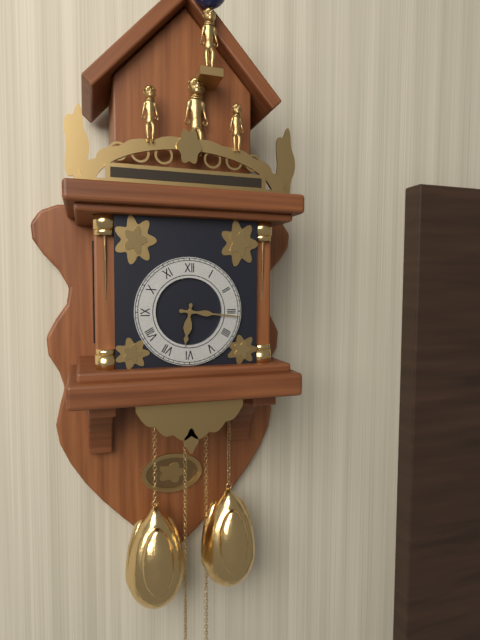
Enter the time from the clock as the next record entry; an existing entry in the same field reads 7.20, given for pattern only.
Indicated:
6.16
